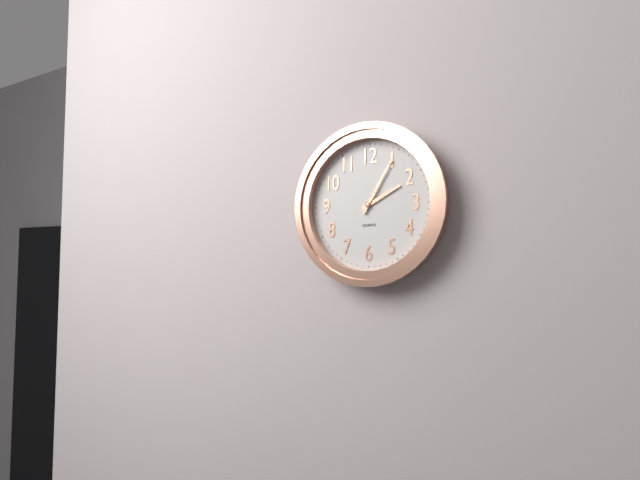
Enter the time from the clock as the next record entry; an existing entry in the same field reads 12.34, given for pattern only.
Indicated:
2.05
